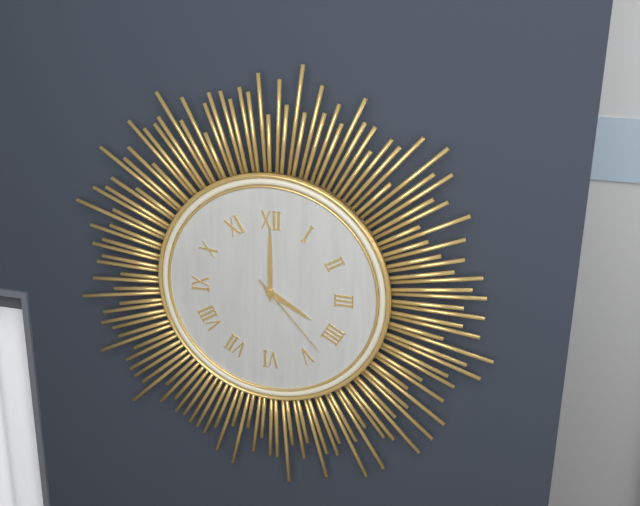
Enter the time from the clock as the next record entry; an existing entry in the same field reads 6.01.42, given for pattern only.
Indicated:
4.00.23
